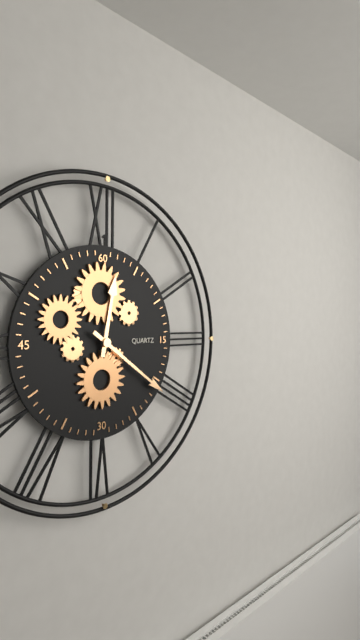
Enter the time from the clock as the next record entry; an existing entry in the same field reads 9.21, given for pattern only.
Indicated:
12.21
